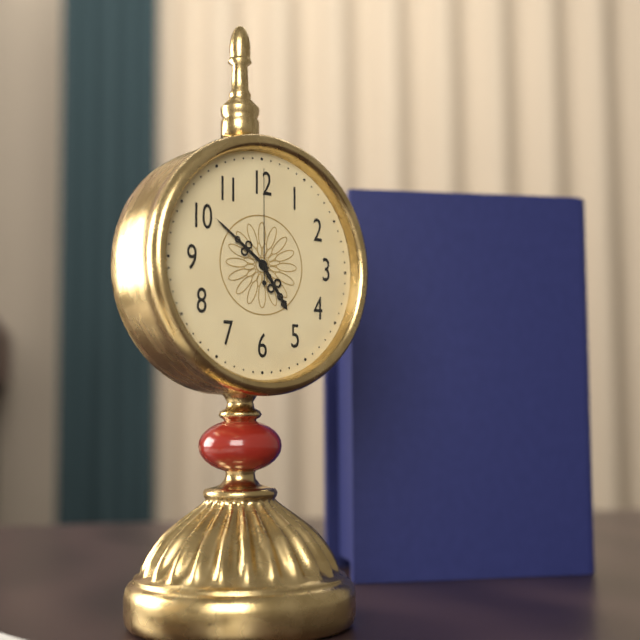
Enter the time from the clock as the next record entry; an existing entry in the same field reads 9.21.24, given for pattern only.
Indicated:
4.51.00
